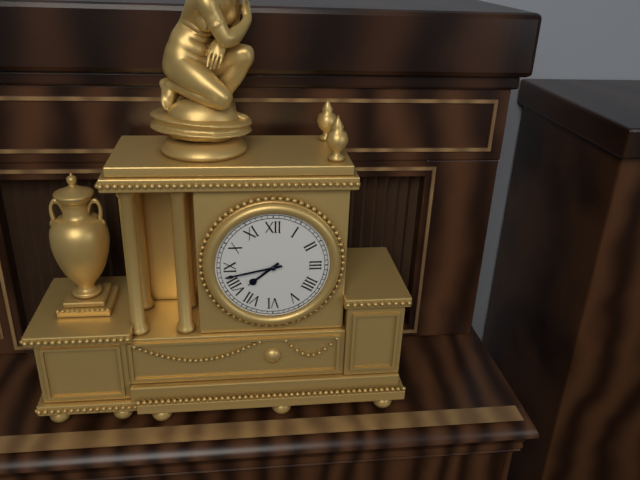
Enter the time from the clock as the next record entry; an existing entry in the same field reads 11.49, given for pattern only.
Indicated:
7.43
